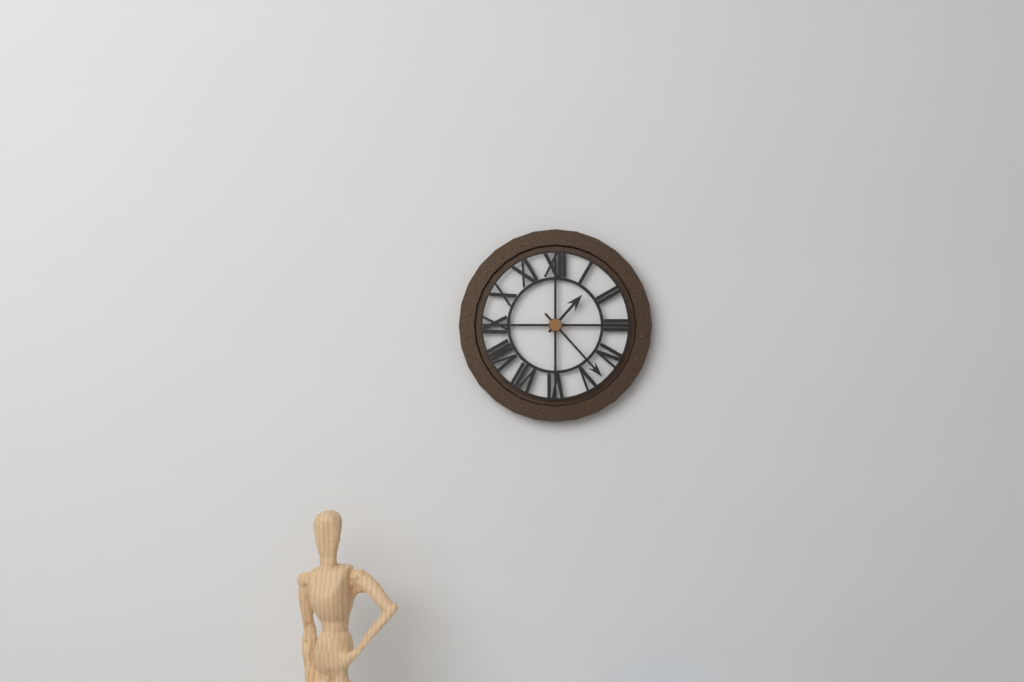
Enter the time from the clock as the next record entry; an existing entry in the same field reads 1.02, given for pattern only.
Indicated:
1.23
